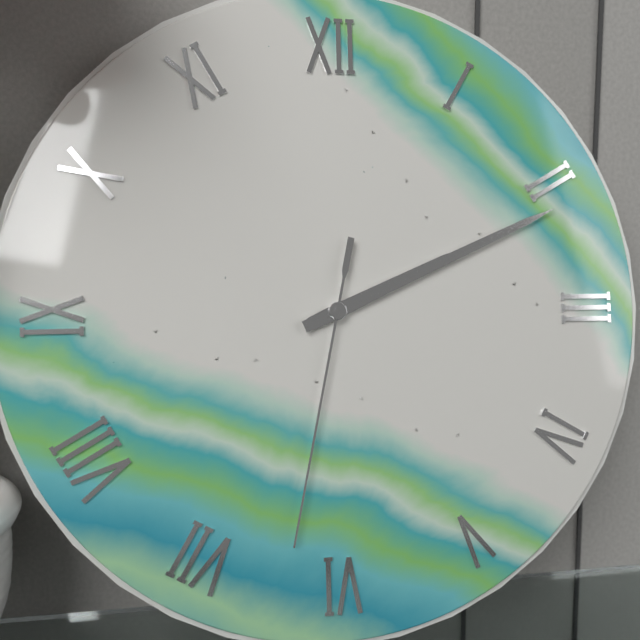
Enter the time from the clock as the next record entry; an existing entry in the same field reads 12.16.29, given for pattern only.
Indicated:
2.11.32
